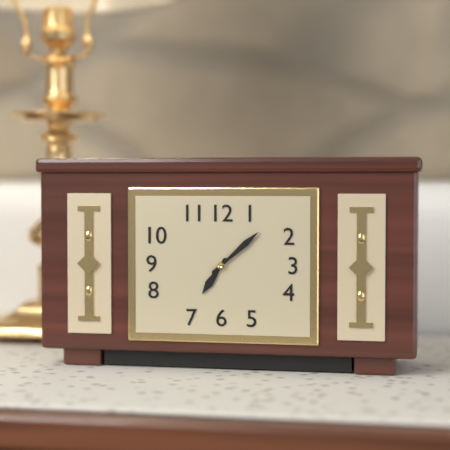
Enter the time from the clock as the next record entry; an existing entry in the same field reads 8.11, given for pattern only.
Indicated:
7.08
